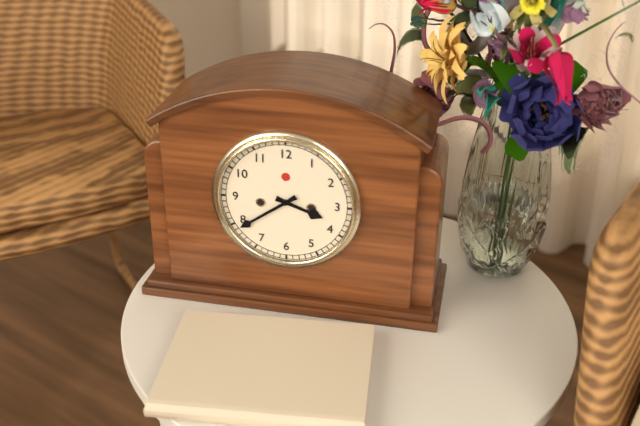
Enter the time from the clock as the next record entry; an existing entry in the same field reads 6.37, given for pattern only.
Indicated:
3.39
